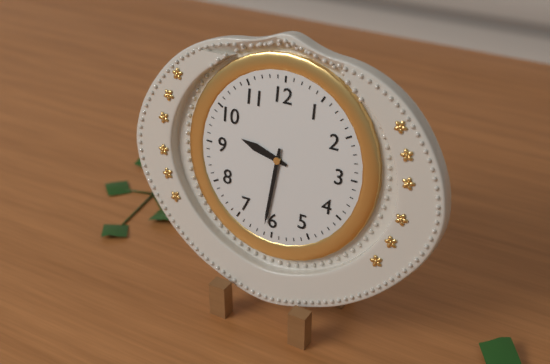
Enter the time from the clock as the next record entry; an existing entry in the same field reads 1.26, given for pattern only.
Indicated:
9.31
